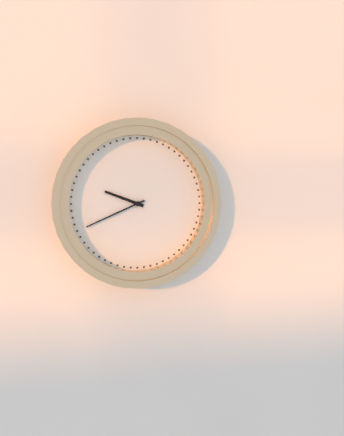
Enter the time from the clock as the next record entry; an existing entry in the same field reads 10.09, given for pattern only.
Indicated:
9.41
